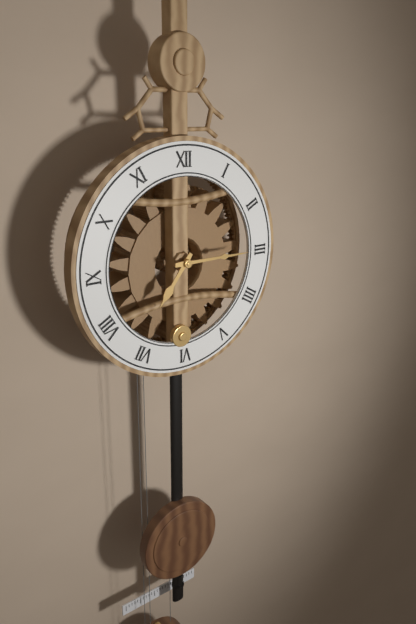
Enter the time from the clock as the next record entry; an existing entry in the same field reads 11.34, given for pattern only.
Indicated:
7.15
